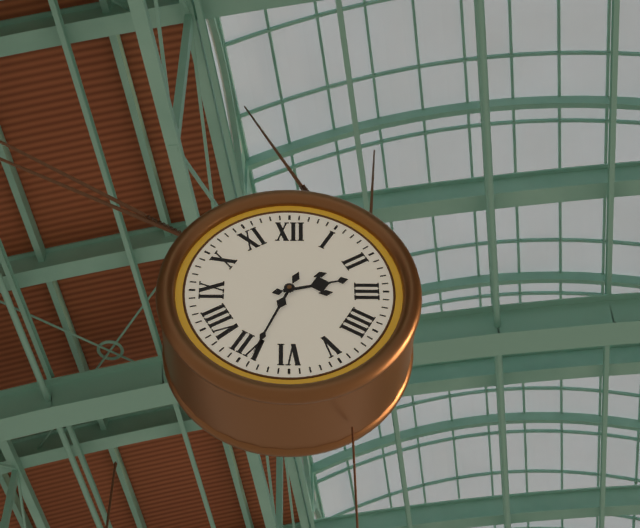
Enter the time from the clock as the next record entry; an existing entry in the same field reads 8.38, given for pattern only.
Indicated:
2.34
